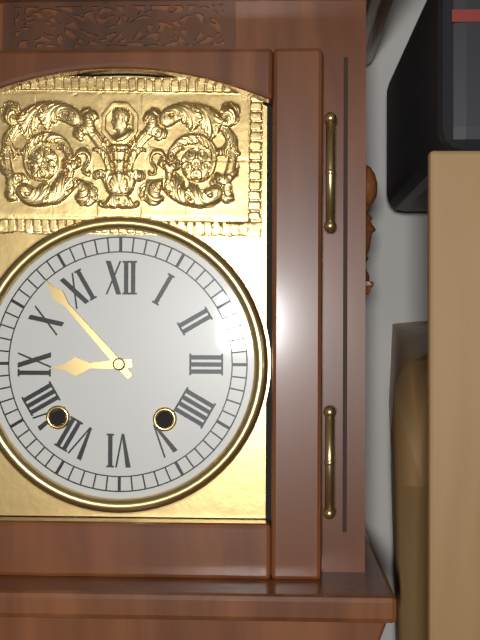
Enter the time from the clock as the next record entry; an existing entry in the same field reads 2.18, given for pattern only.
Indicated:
8.53
